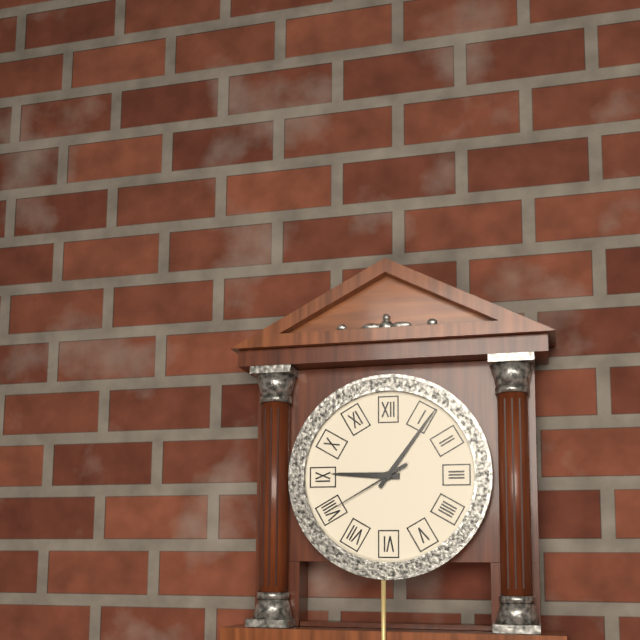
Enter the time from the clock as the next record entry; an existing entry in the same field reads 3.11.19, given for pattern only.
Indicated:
9.06.40
